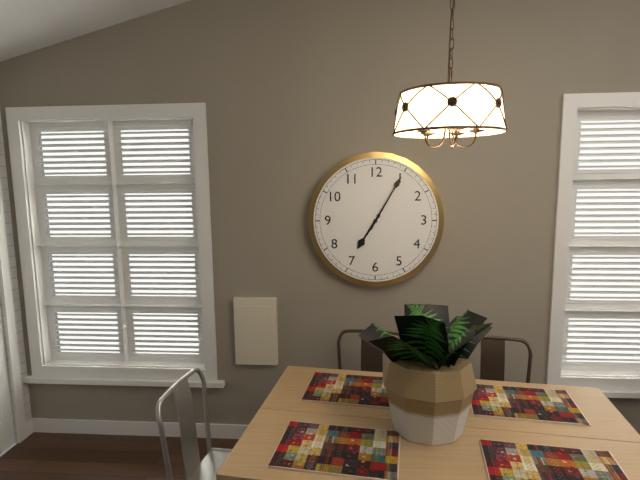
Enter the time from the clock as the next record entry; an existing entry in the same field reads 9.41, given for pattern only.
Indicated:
7.05
